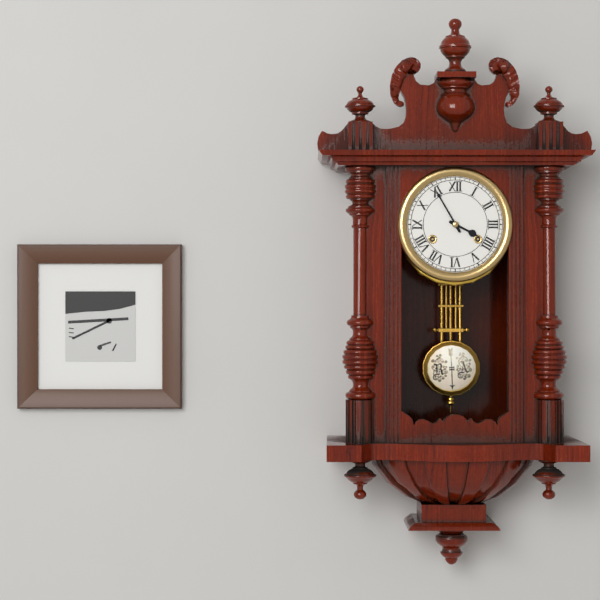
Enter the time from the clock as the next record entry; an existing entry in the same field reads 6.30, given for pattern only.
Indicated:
3.55
